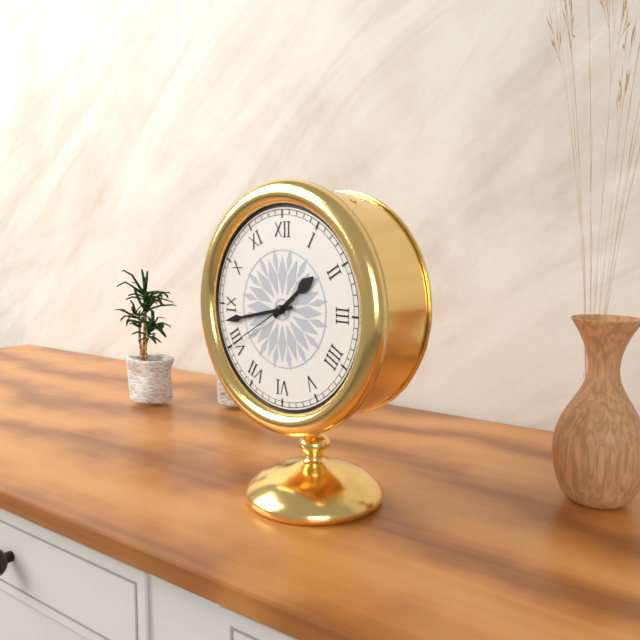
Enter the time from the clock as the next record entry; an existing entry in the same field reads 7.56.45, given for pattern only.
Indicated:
1.43.40
